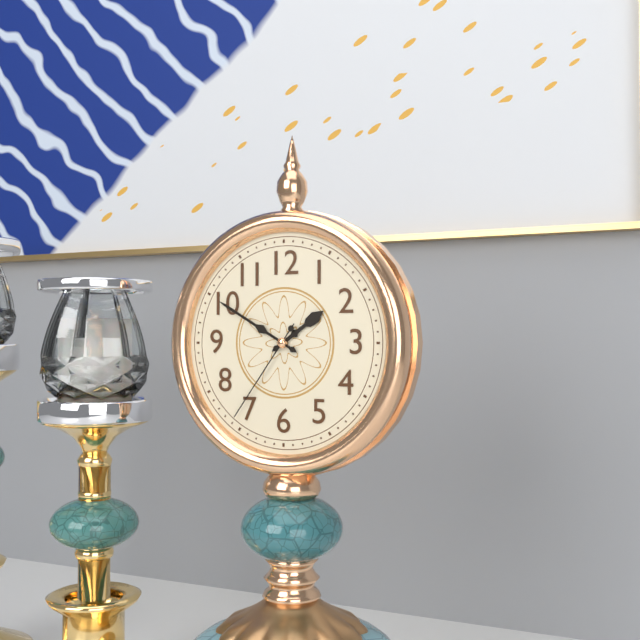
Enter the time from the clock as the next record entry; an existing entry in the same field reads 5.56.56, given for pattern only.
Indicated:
1.50.36
